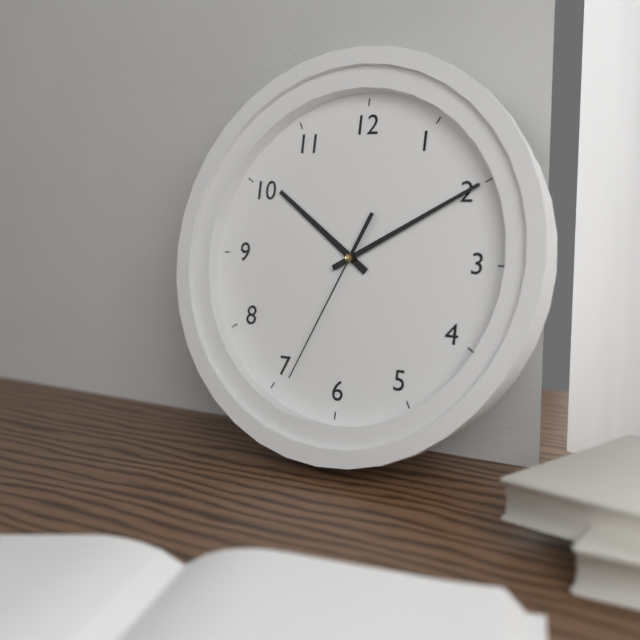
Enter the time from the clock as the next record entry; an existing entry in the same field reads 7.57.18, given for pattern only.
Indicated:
10.10.34
